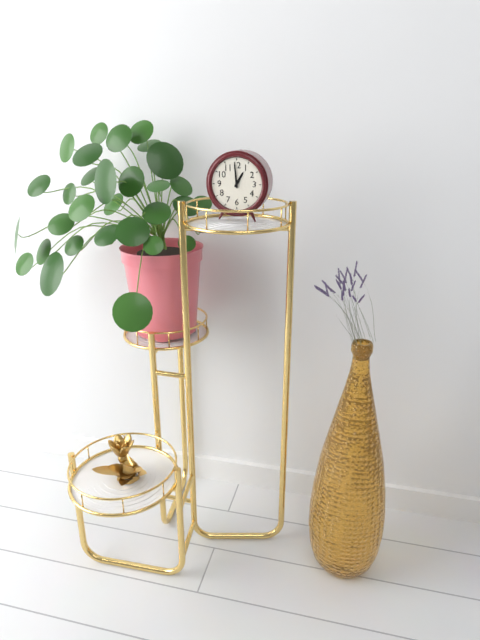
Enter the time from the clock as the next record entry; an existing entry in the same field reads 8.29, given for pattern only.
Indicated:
12.59
